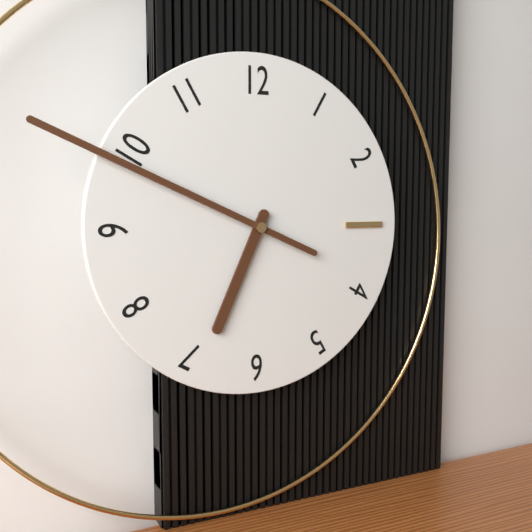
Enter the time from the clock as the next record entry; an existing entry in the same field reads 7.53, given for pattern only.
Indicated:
6.49
